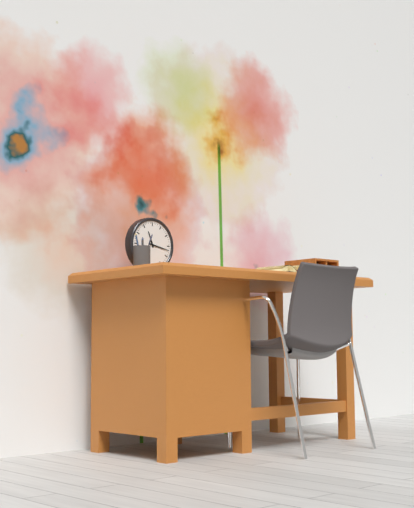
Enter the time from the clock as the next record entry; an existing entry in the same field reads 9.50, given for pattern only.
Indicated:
11.17
